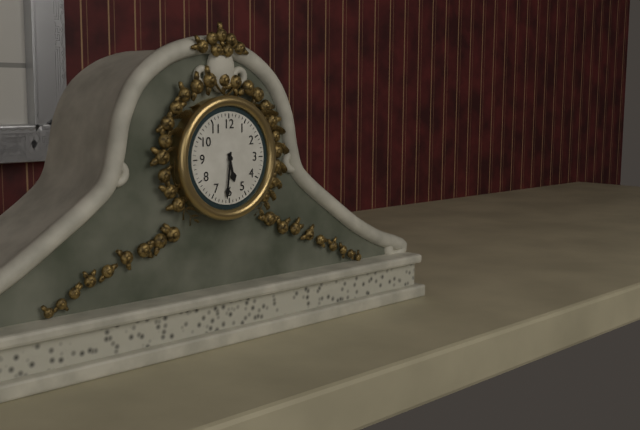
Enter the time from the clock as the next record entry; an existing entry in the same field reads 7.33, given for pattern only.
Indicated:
5.31
